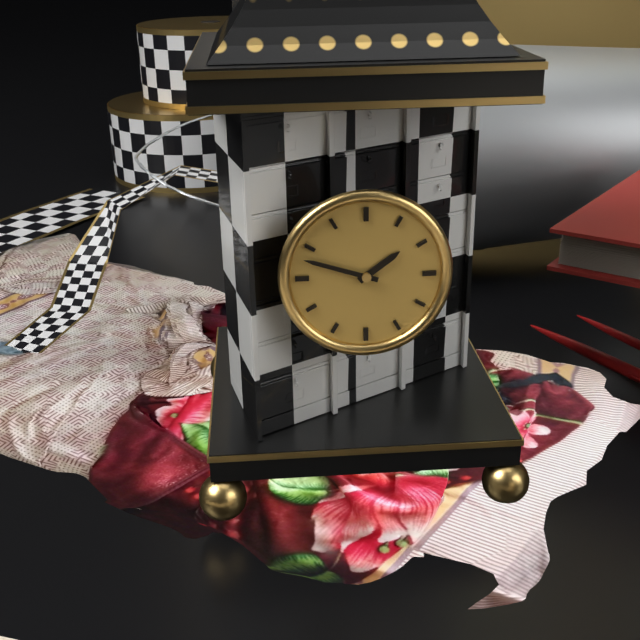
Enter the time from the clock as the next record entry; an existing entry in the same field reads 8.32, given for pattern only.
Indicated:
1.48
